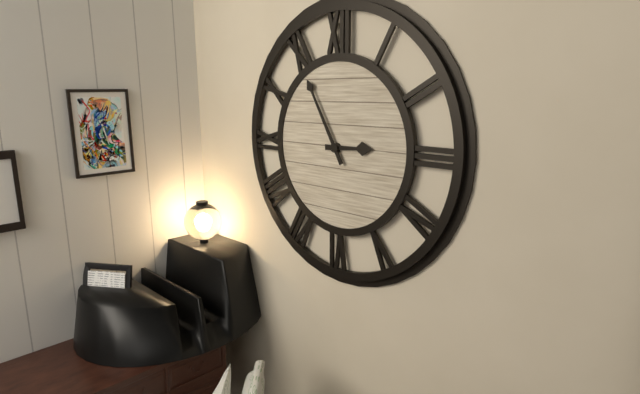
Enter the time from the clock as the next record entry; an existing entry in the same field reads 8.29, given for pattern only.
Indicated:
2.55
